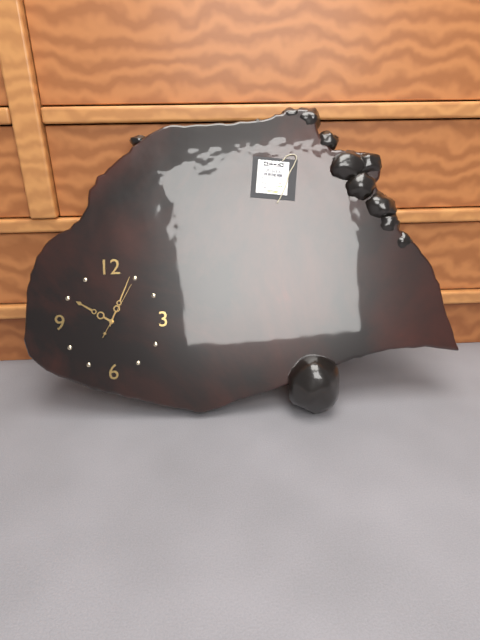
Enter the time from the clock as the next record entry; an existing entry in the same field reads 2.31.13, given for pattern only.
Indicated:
10.04.05
